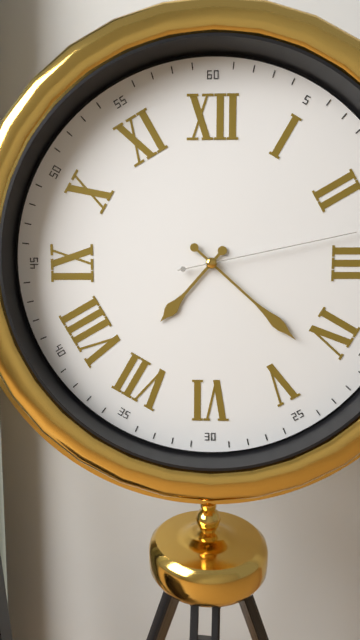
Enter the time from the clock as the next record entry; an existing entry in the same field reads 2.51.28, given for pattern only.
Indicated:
7.22.13
